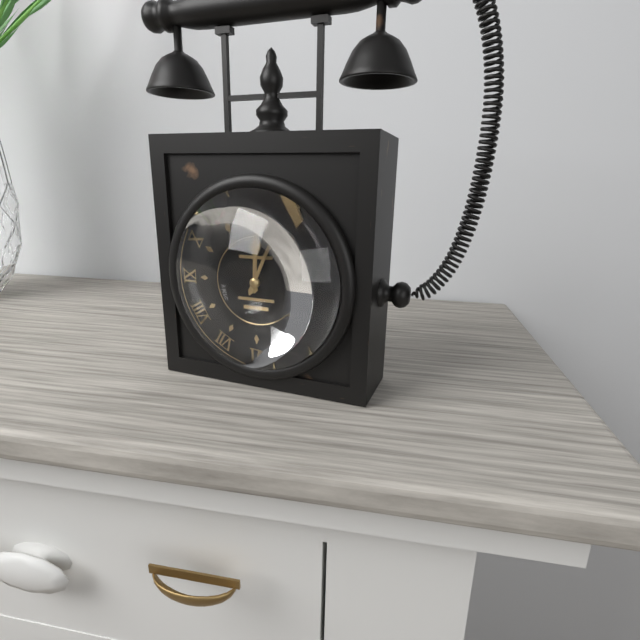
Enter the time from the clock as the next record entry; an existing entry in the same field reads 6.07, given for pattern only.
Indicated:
12.04
